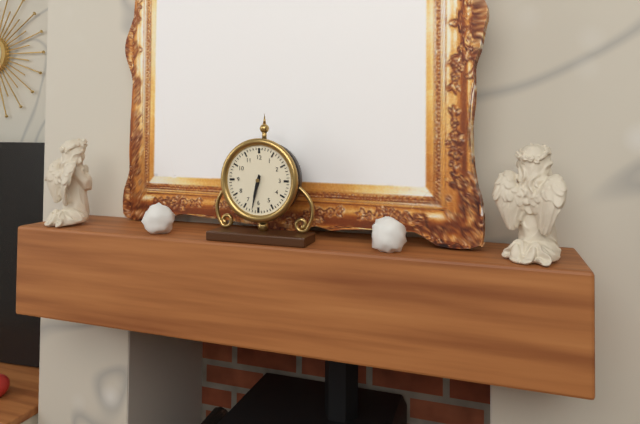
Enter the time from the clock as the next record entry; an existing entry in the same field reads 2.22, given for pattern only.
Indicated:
6.32
